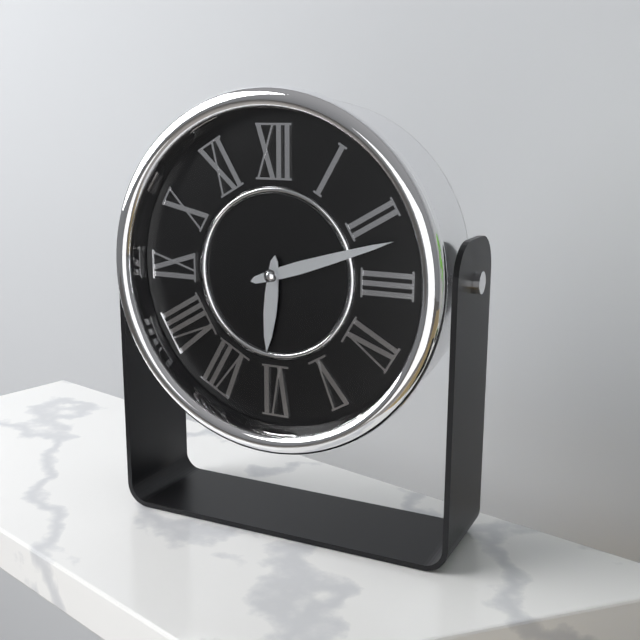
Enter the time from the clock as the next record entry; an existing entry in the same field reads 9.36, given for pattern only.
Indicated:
6.12
